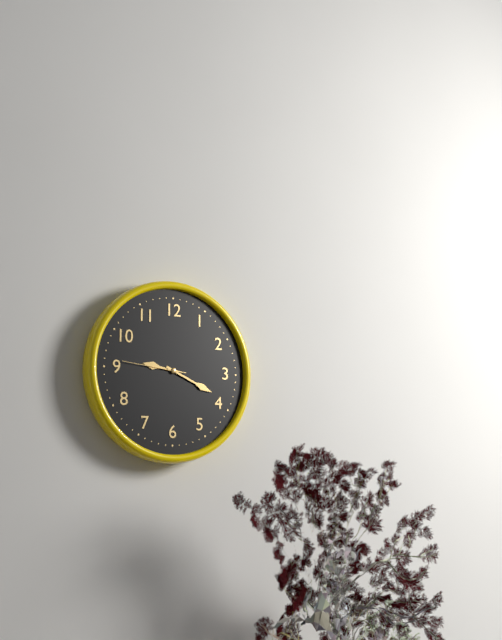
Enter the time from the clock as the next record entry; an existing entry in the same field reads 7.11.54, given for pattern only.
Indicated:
9.19.46
